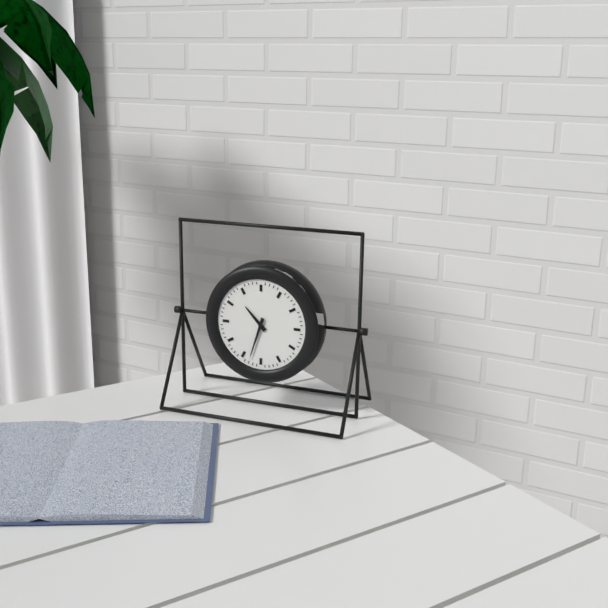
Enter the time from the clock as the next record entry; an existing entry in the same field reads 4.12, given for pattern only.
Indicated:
10.33
